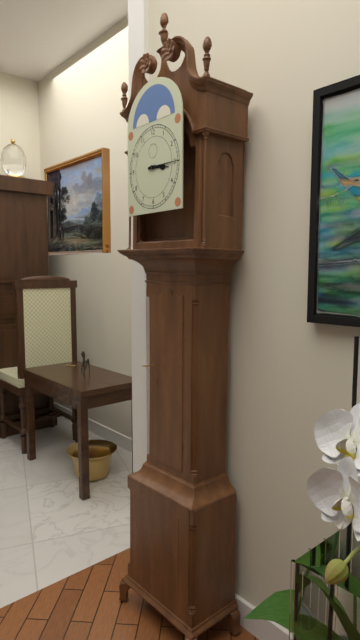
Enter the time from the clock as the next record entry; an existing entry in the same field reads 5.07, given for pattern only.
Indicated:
3.15
